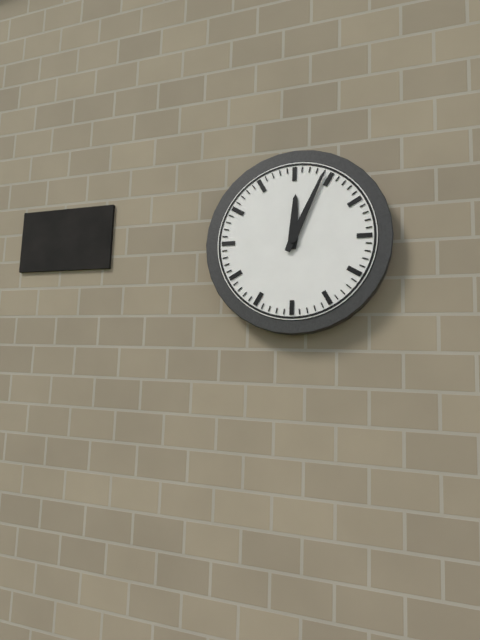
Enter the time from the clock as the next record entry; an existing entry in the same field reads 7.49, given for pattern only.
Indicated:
12.04
